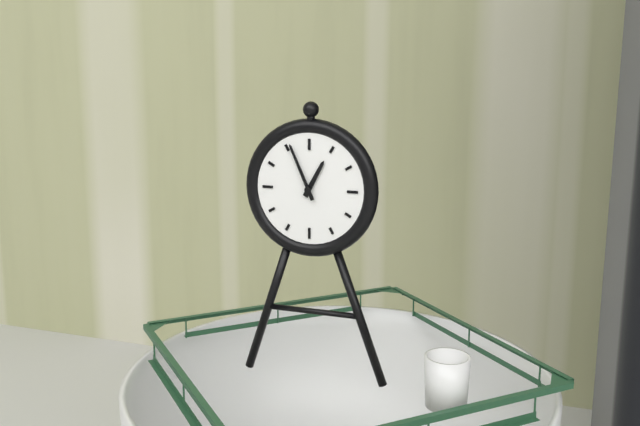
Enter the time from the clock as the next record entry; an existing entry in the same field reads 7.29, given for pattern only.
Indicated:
12.56
